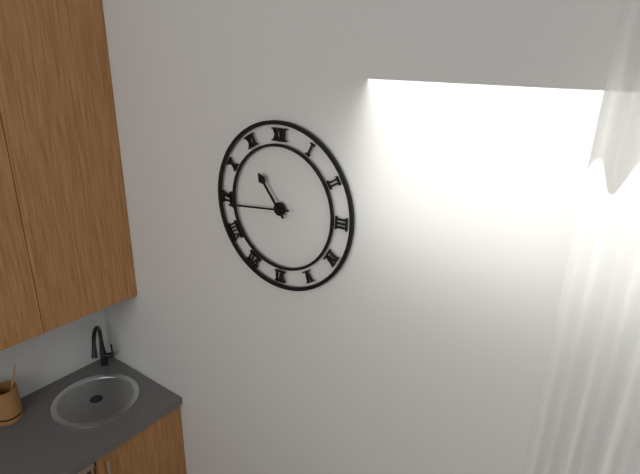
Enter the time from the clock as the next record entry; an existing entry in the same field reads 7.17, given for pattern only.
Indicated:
10.44
